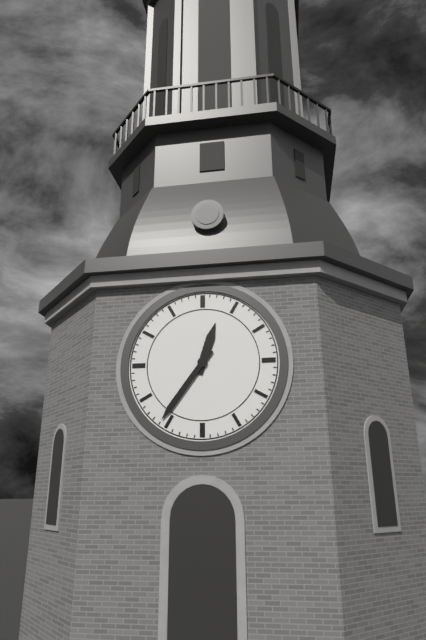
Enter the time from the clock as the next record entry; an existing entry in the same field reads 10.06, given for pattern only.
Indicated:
12.36
